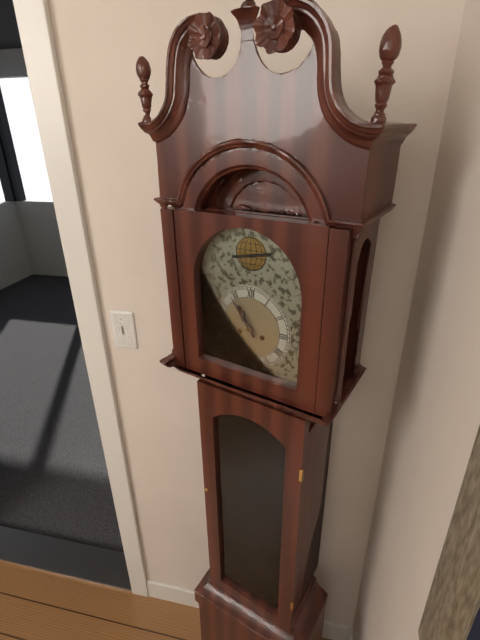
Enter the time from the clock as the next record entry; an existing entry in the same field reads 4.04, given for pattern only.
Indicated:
10.54
